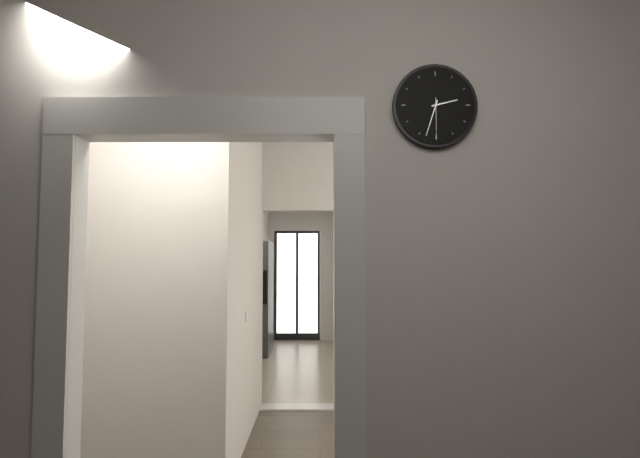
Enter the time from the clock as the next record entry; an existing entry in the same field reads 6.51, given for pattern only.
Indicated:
2.33
